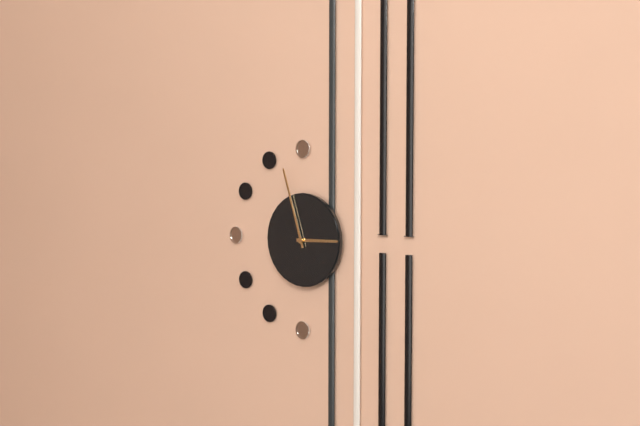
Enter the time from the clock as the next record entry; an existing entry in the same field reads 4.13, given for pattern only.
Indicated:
2.57
